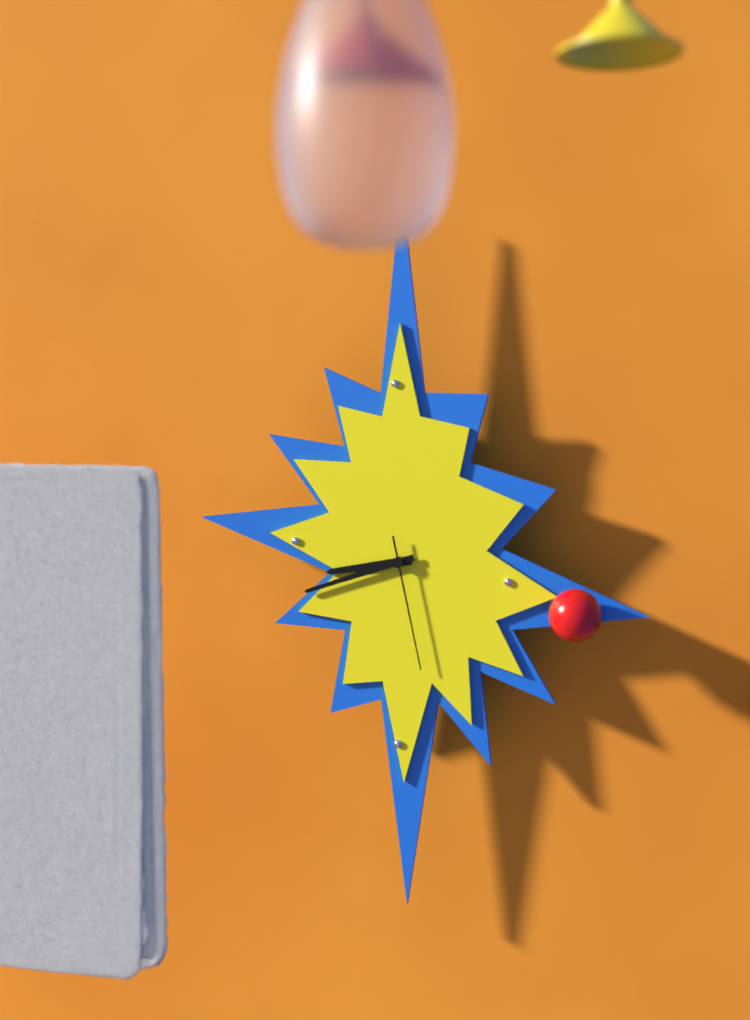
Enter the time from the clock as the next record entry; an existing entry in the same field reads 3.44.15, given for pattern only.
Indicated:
8.42.28
